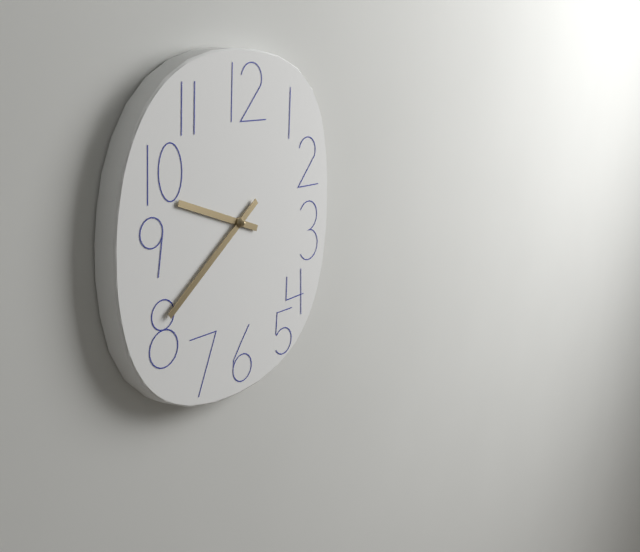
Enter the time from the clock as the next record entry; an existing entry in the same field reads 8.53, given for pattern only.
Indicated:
9.39
